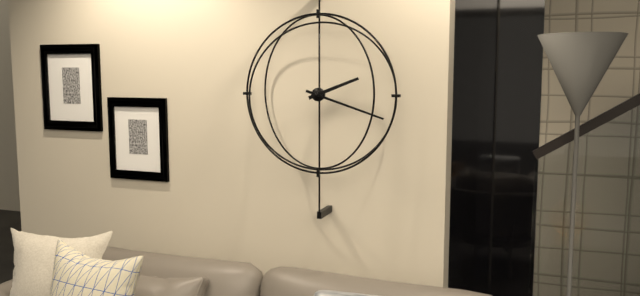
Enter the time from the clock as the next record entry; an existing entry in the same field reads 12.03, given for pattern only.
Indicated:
2.18
